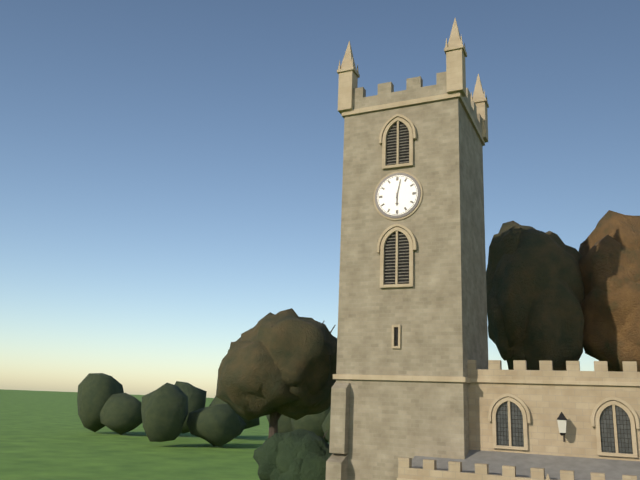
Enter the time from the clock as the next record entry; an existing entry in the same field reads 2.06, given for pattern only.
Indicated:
6.02
